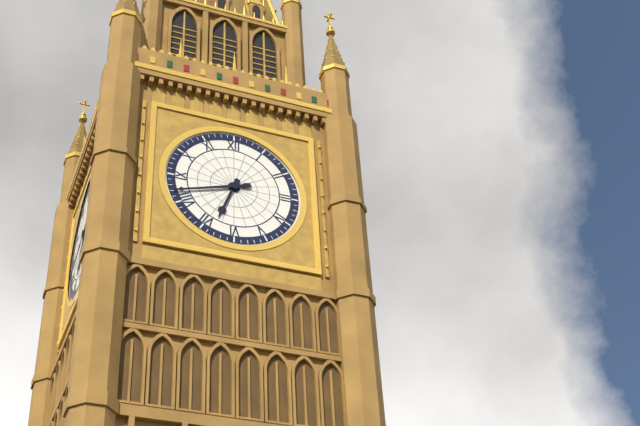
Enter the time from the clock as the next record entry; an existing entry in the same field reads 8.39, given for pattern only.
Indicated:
6.42
